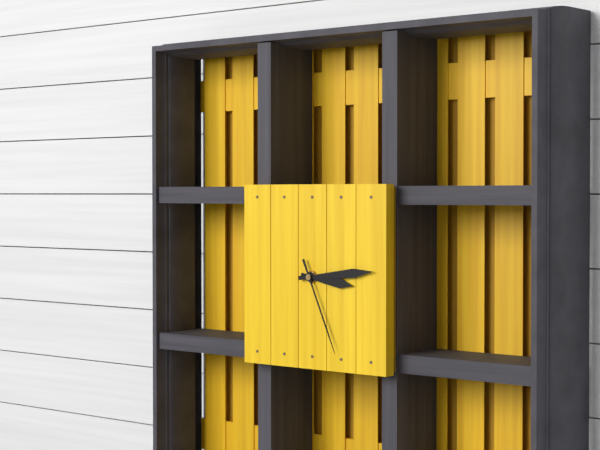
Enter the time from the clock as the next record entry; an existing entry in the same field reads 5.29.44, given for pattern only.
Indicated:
3.14.26
